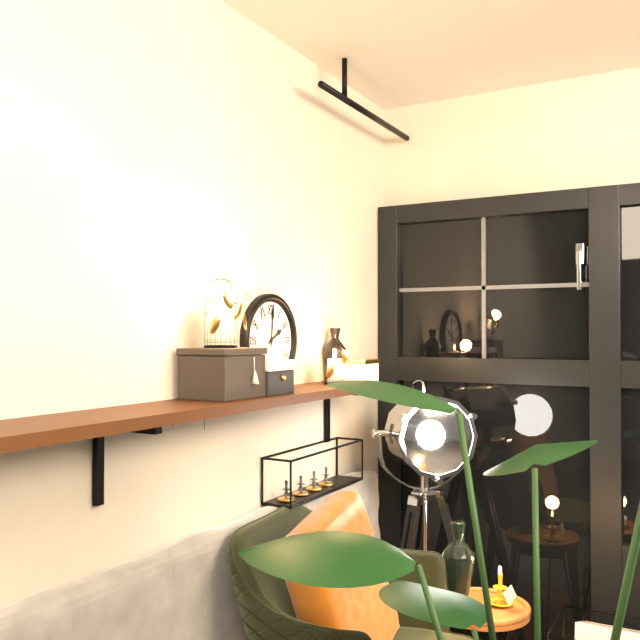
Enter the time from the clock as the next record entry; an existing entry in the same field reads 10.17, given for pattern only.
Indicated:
2.01
